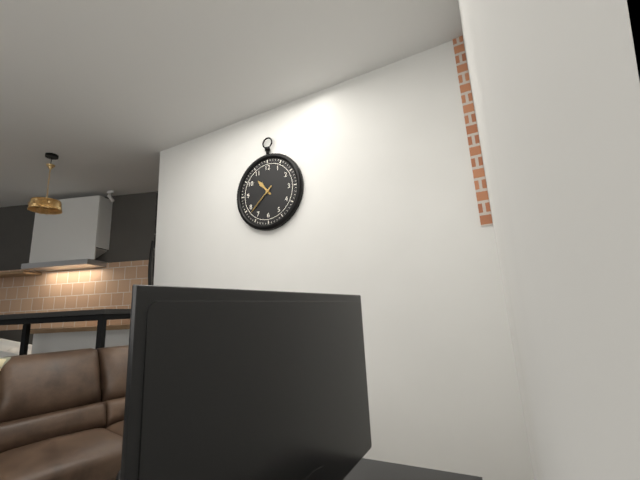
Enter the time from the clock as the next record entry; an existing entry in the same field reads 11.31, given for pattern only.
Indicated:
10.38
